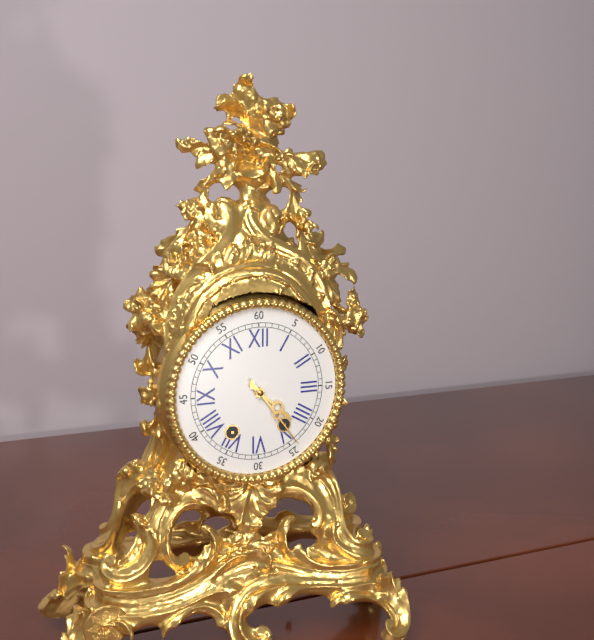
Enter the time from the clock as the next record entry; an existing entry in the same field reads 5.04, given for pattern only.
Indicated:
4.24
